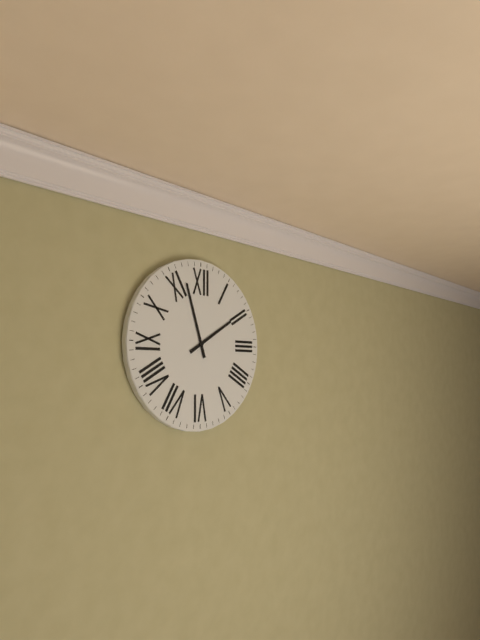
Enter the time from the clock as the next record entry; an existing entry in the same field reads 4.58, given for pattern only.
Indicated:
1.57
